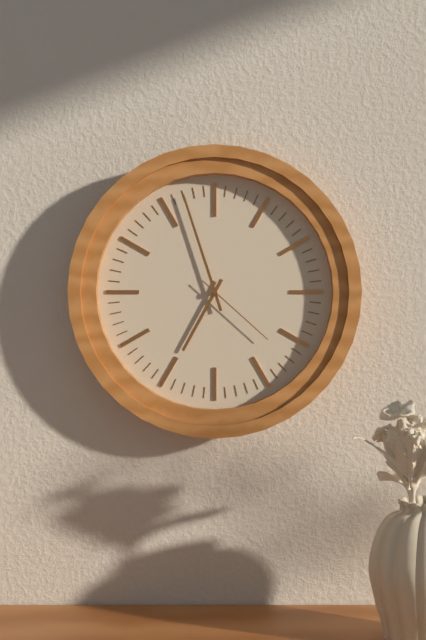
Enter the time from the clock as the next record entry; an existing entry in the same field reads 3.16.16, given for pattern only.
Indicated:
6.57.22
